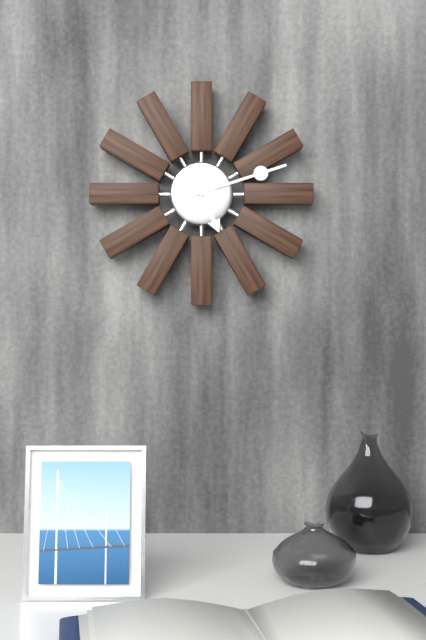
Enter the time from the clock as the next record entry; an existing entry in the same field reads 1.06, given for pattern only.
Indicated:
5.12
